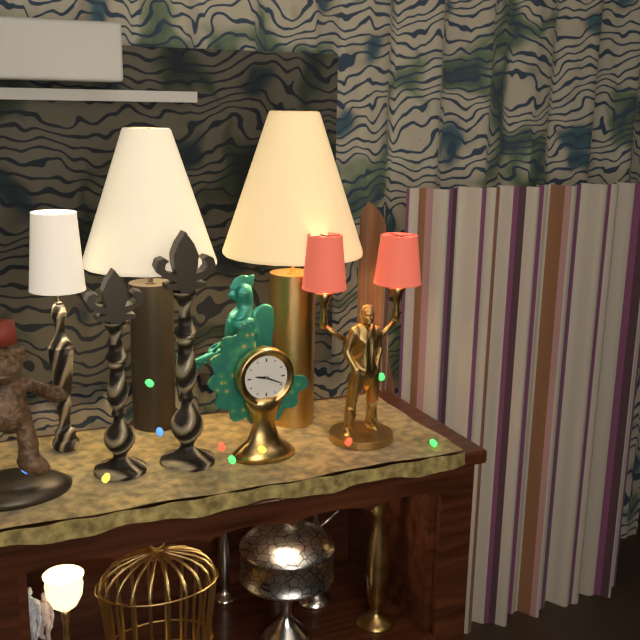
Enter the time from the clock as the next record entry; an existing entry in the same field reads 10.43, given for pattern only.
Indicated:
9.19
